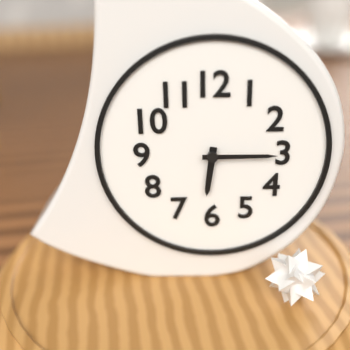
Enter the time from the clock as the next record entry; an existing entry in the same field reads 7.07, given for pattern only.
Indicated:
6.15
